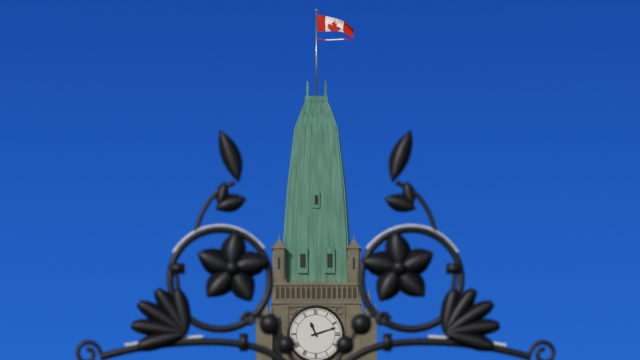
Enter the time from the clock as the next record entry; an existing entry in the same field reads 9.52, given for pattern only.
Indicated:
11.12
